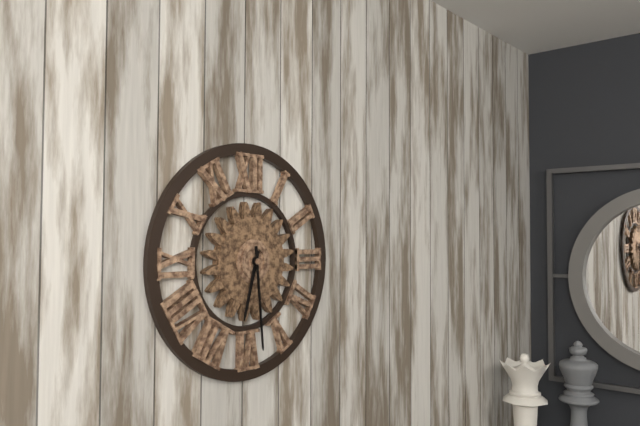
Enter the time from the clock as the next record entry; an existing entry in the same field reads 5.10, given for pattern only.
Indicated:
6.29
